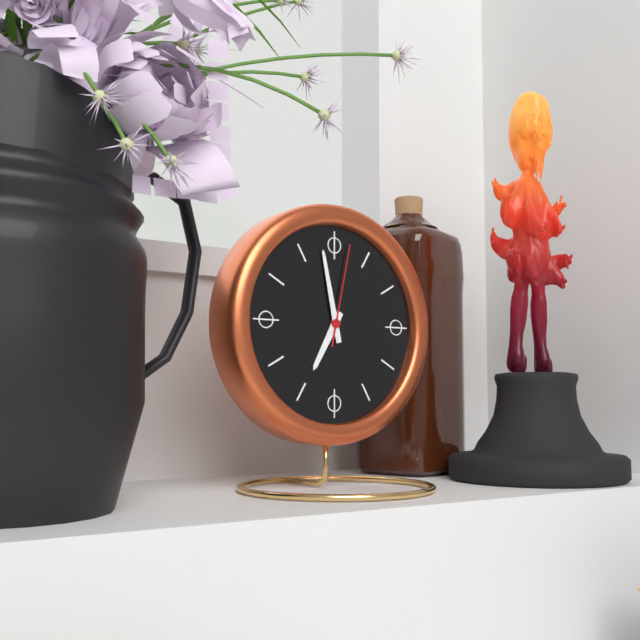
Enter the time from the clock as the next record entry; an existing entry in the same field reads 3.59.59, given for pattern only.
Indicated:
6.58.02
